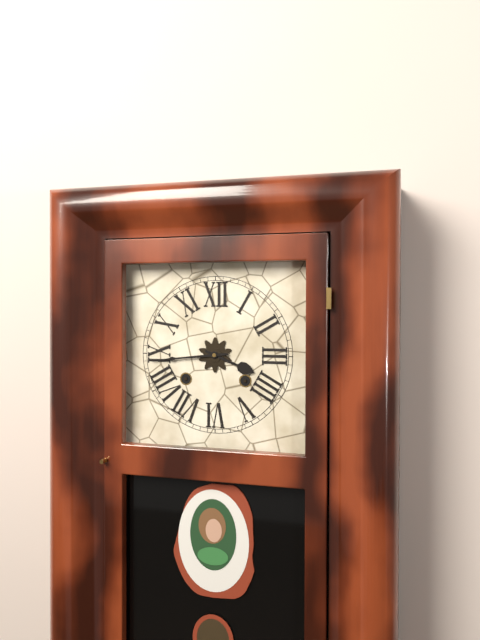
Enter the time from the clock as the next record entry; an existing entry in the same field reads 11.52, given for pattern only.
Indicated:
3.44
